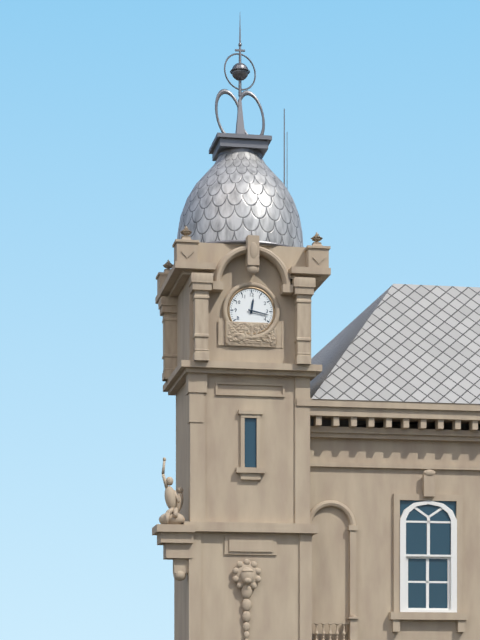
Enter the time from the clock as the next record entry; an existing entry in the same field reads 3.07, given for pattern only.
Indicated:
12.17
